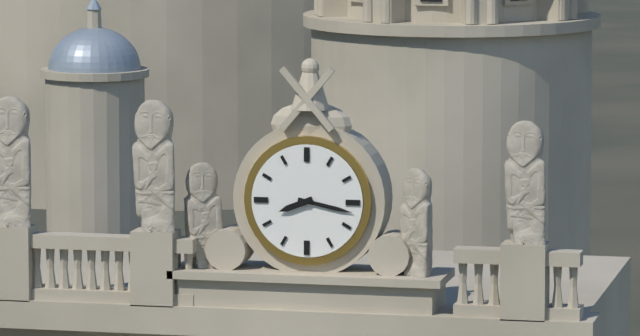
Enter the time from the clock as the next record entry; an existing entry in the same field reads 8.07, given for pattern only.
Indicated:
8.17
